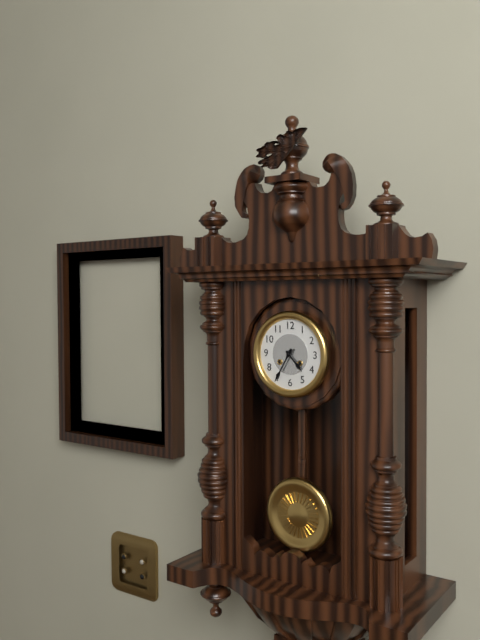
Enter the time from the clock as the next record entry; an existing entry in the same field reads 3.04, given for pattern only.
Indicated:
4.35
